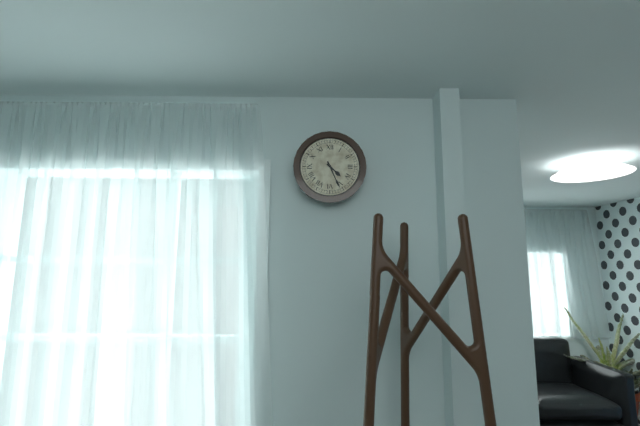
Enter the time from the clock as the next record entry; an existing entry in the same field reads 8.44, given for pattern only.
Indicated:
4.26
